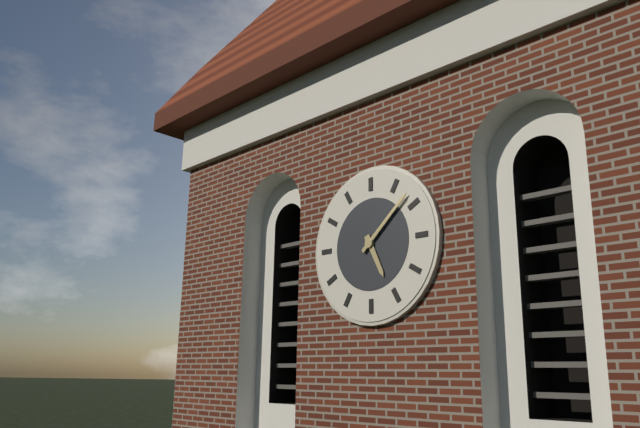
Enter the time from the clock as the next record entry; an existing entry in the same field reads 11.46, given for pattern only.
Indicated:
5.08
